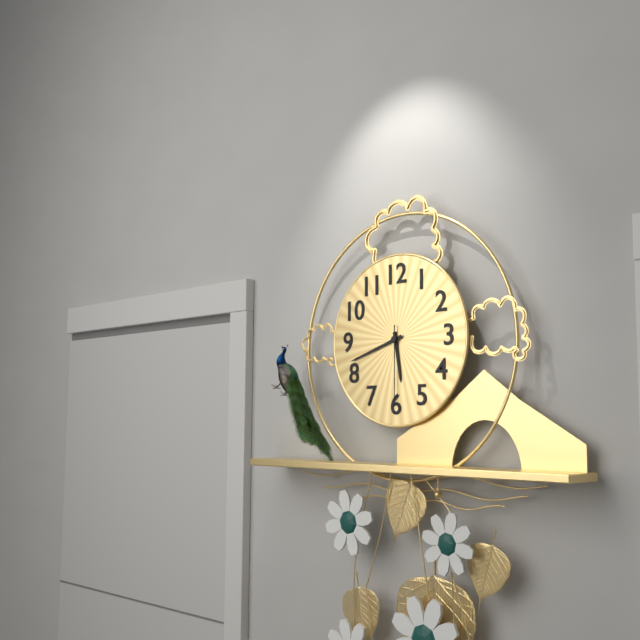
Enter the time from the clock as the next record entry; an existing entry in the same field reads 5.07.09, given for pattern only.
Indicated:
5.42.30
